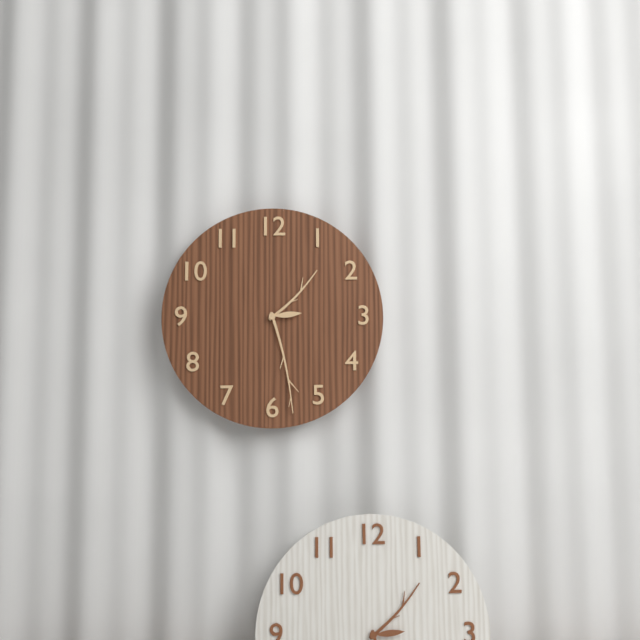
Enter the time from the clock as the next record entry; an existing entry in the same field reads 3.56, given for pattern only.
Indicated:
1.28
